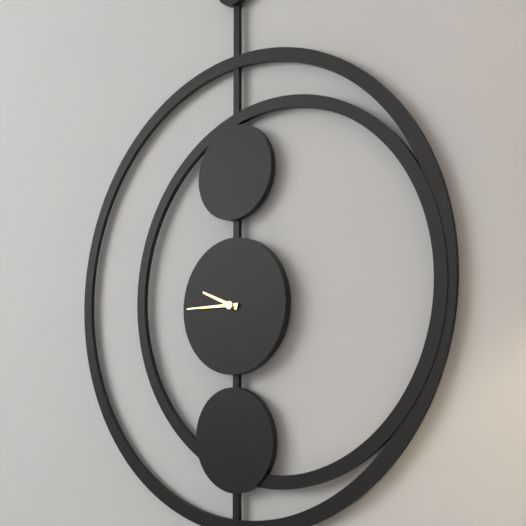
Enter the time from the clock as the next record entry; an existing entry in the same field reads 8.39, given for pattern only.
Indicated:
9.45
